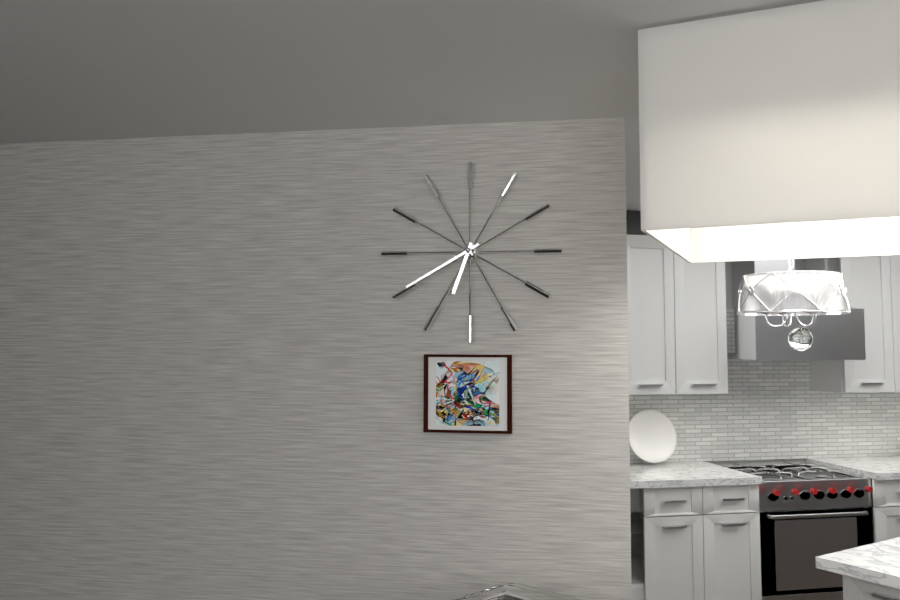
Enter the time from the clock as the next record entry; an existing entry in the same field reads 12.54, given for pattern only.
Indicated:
6.40
